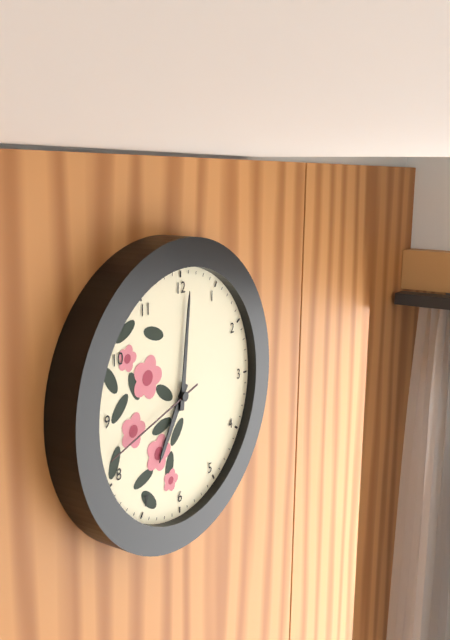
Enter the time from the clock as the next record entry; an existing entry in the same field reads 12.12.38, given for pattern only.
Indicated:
7.01.42
